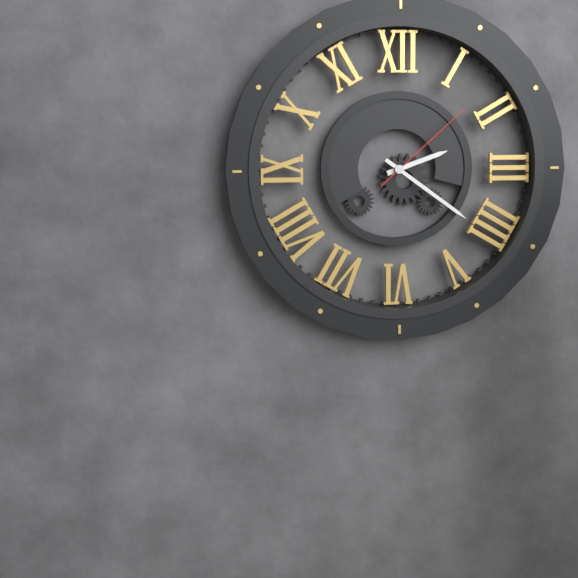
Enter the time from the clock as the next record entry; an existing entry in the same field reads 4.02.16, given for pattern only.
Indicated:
2.21.08
